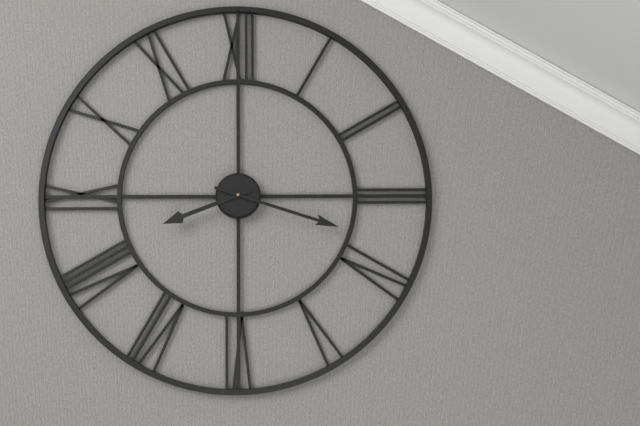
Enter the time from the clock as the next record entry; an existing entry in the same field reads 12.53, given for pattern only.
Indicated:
8.18
